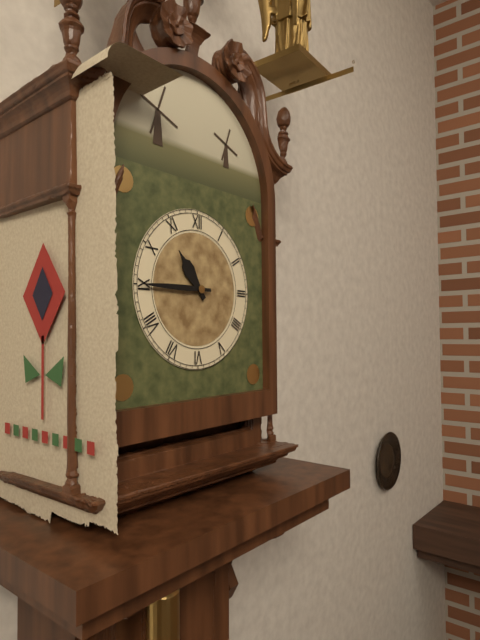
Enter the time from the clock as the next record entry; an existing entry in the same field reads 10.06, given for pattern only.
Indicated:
10.45
